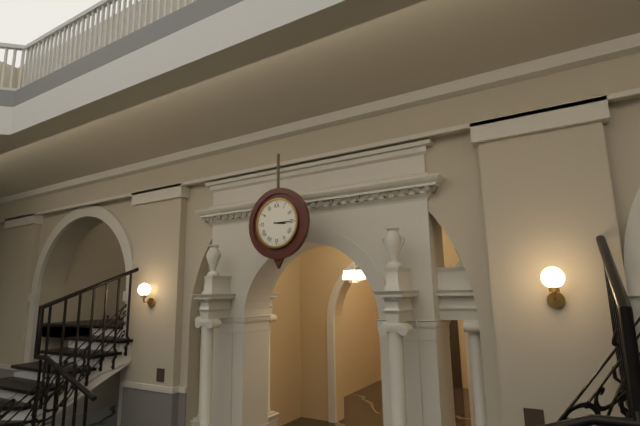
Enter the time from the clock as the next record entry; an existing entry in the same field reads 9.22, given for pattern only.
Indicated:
3.15
